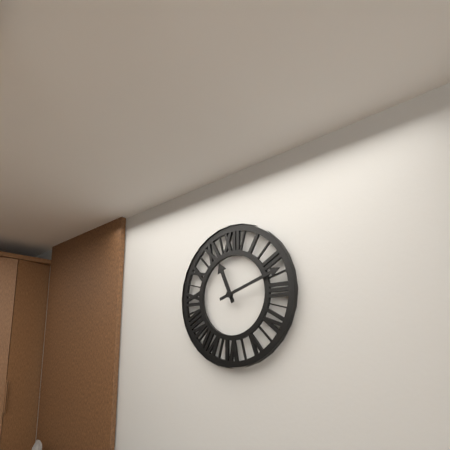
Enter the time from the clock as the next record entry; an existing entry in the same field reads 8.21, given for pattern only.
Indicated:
11.12
